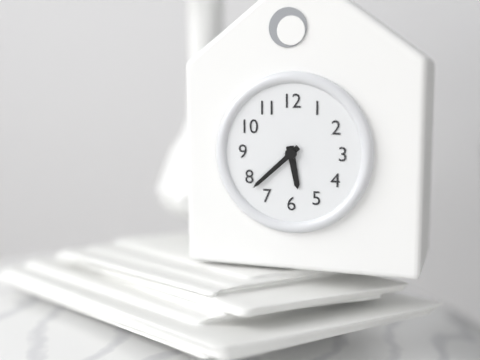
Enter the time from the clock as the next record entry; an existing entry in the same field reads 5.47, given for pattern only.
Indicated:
5.38
